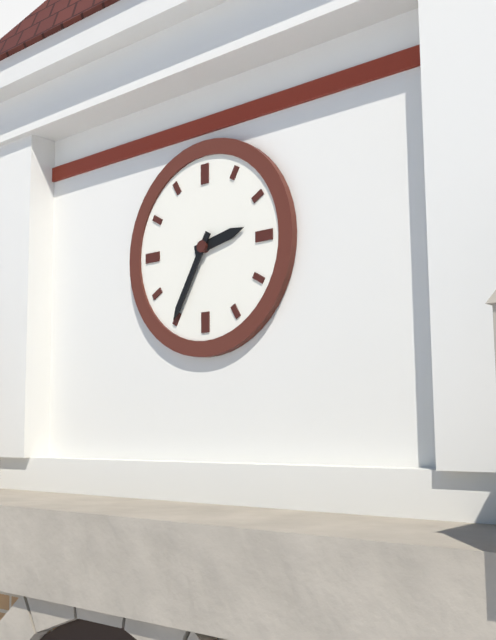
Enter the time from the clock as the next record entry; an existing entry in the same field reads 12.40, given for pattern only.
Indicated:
2.35
